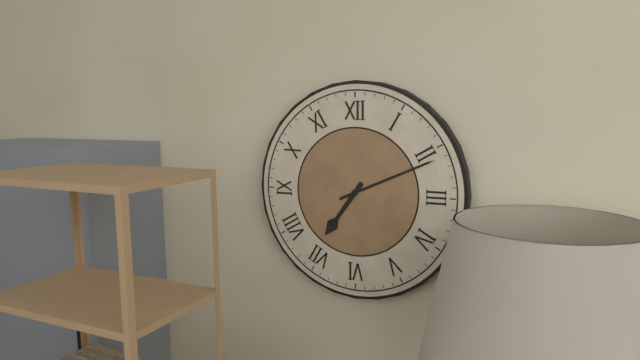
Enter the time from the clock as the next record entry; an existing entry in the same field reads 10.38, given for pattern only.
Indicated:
7.11
